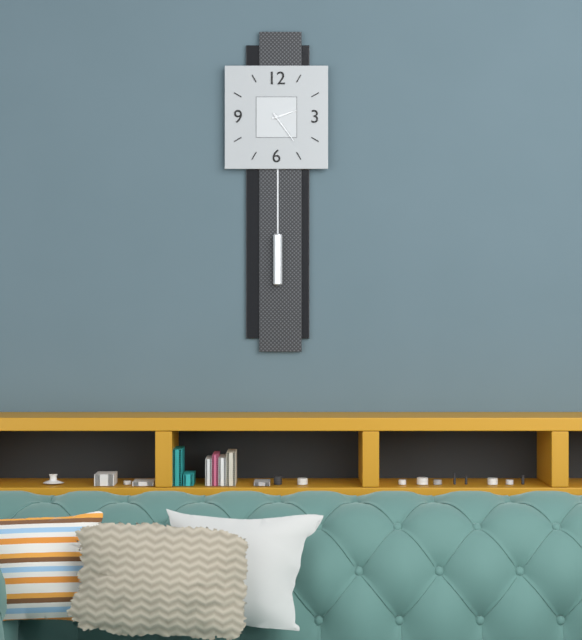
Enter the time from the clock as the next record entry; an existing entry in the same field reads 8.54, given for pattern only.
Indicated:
2.24
